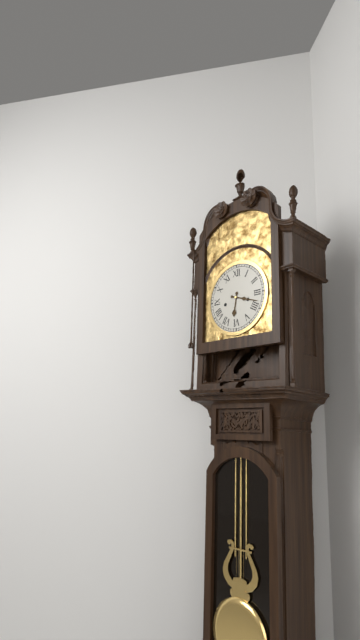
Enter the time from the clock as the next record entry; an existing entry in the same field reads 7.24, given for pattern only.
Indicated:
6.18
